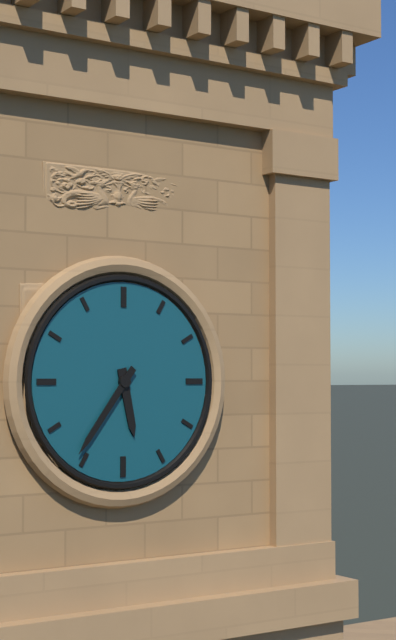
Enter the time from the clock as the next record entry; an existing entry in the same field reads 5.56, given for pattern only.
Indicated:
5.36
